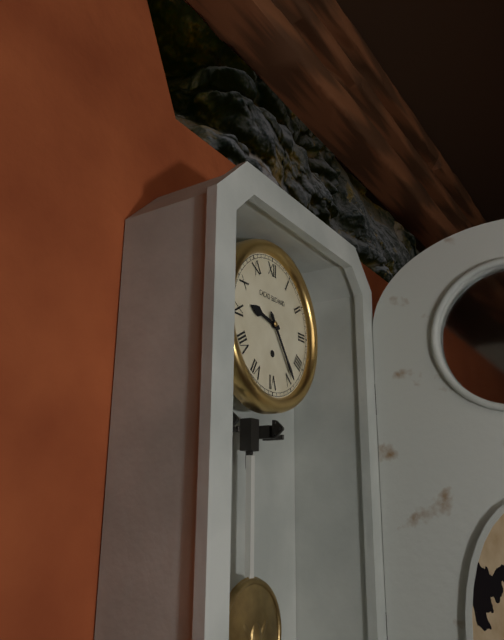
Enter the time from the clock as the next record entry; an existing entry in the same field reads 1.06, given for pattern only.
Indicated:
9.24
